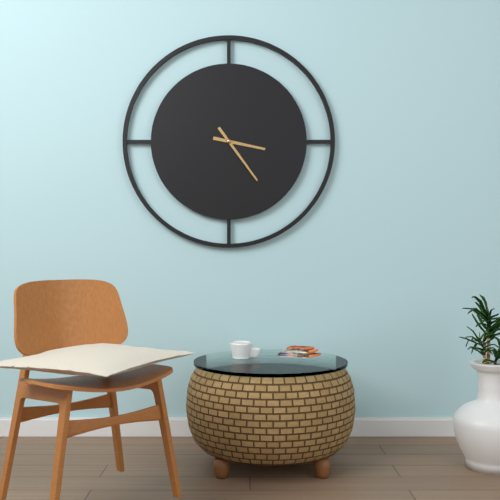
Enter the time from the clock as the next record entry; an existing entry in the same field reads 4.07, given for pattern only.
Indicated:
3.24
